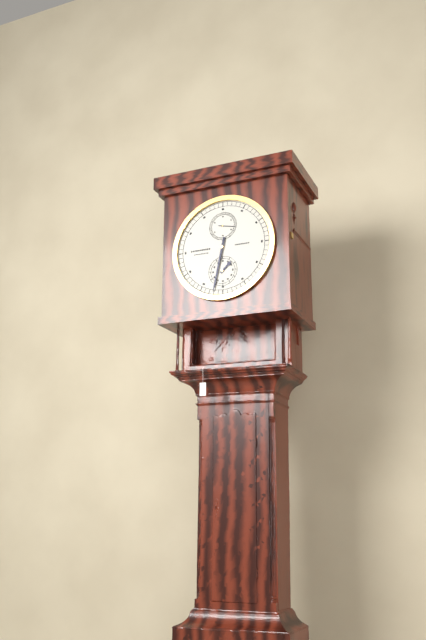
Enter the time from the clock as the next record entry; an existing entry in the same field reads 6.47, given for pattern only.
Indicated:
1.32
